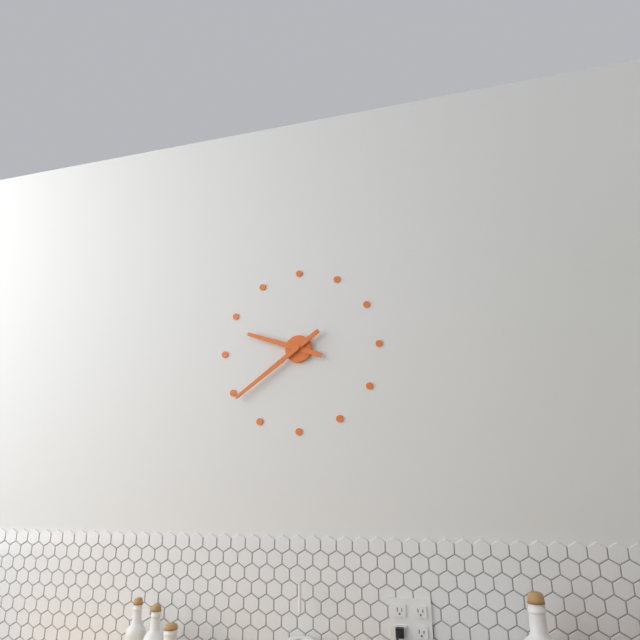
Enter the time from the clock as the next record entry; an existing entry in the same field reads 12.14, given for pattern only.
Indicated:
9.39
